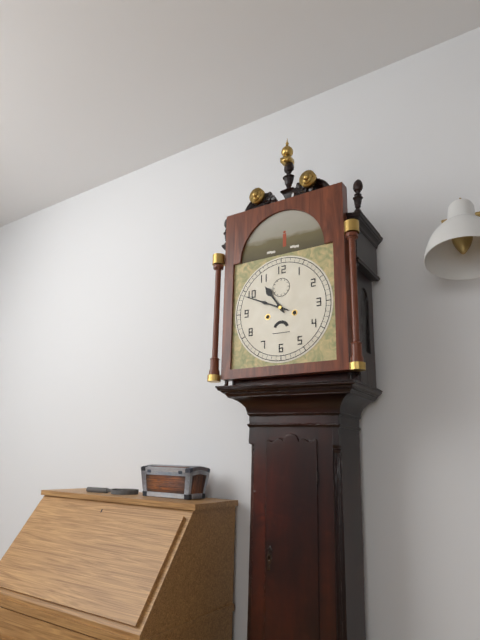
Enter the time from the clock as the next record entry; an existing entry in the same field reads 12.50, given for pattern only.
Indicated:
10.49
